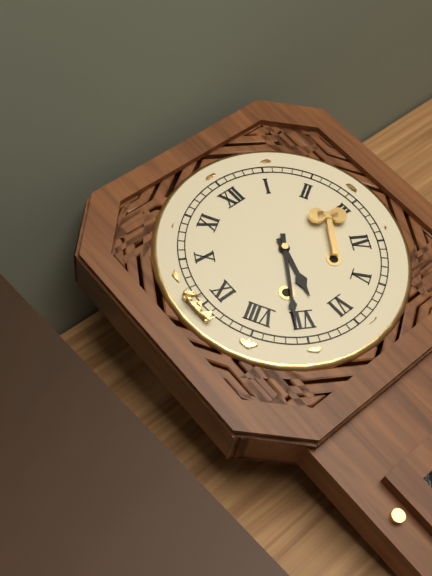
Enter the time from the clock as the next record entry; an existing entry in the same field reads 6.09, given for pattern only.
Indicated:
6.36
